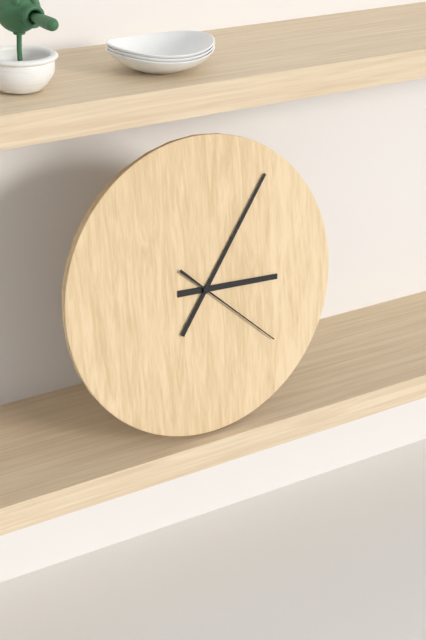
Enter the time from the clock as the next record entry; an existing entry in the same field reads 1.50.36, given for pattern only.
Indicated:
3.06.22
